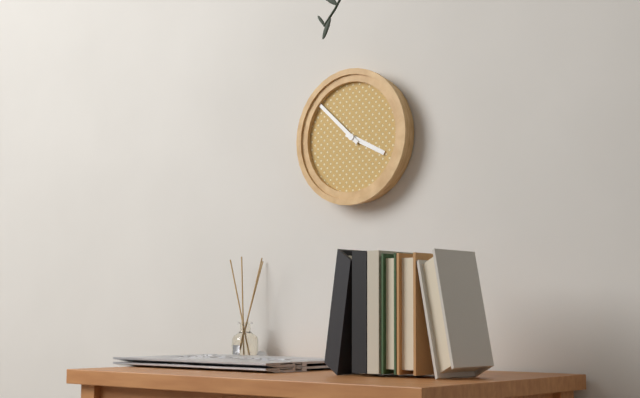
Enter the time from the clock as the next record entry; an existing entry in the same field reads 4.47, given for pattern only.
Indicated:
3.52
